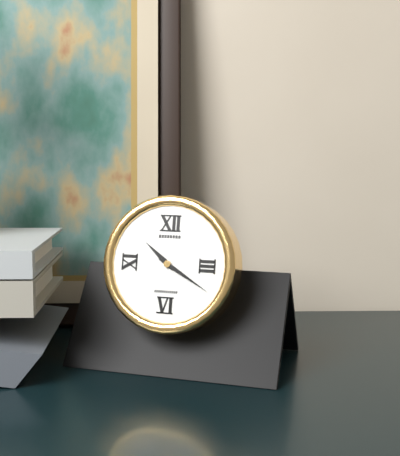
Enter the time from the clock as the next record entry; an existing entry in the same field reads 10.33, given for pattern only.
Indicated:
10.20
